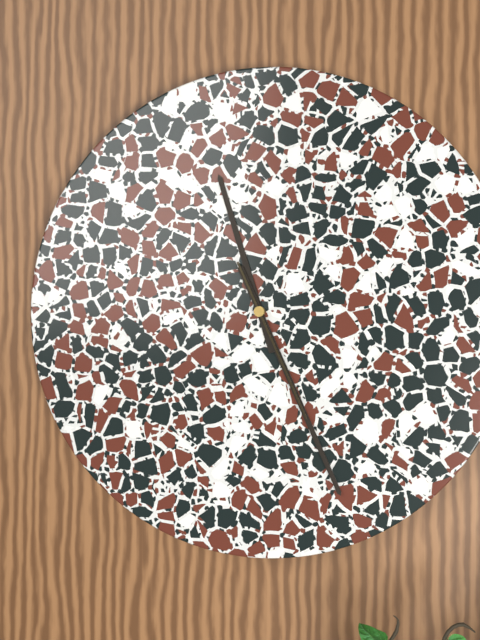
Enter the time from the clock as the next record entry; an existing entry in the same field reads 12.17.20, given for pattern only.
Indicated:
11.26.26
